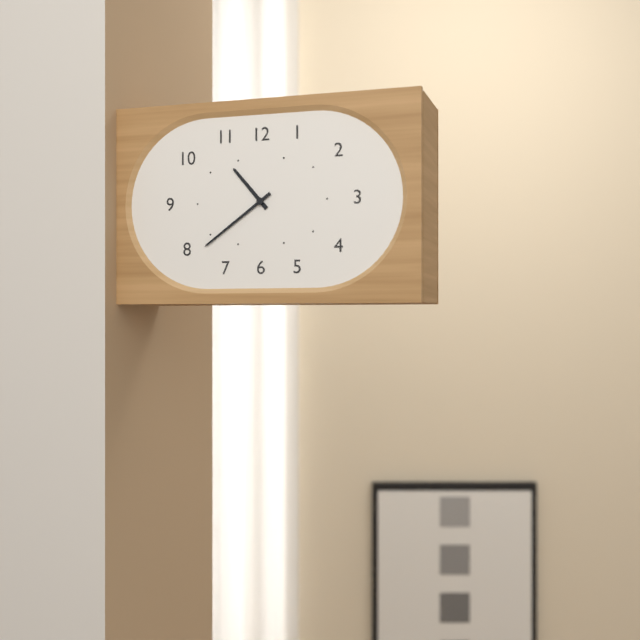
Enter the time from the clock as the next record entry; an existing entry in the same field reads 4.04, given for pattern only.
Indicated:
10.39
